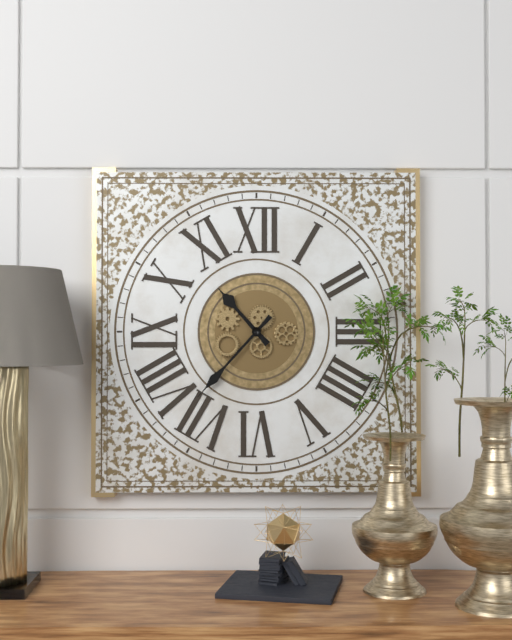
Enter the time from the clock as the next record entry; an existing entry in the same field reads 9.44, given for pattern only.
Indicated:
10.37
